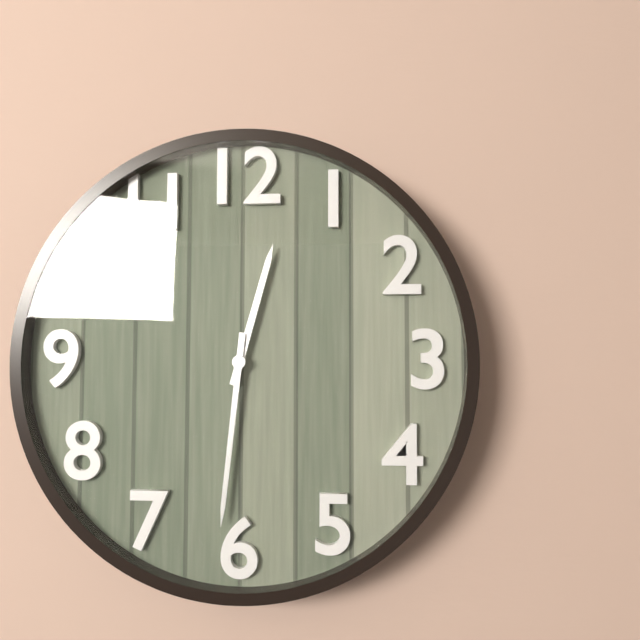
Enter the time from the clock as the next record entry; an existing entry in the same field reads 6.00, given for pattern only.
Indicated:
12.31
